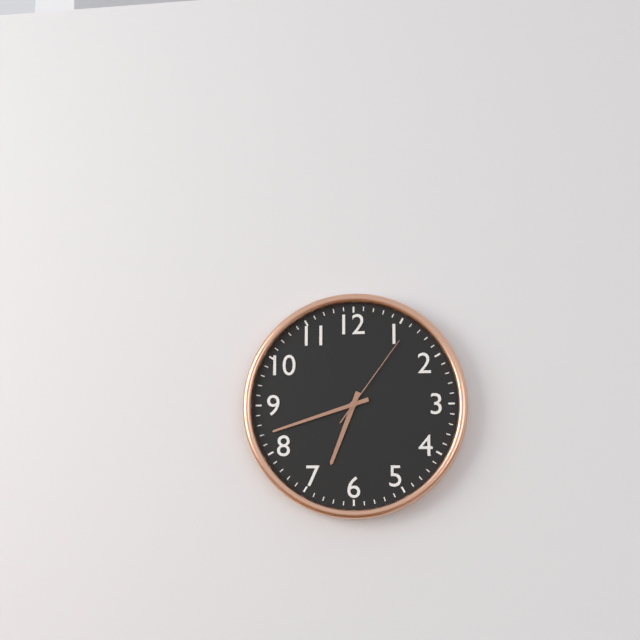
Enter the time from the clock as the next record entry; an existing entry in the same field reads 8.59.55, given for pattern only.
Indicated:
6.42.06
